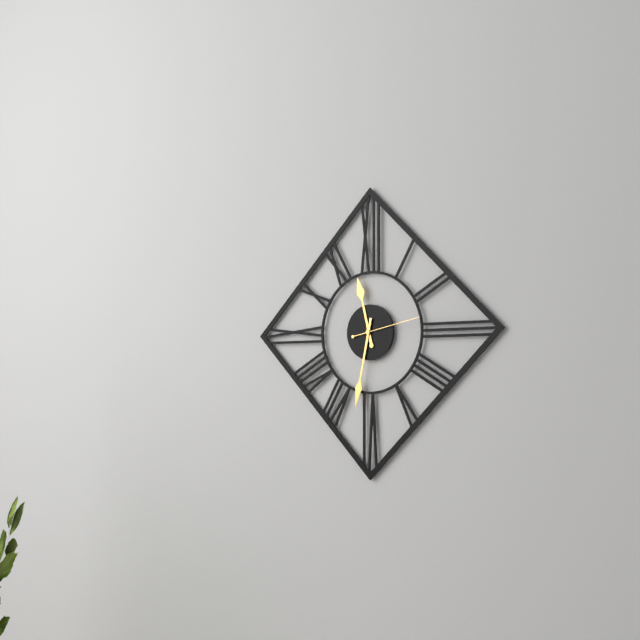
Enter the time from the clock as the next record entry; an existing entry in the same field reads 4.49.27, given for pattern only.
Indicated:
11.32.13
